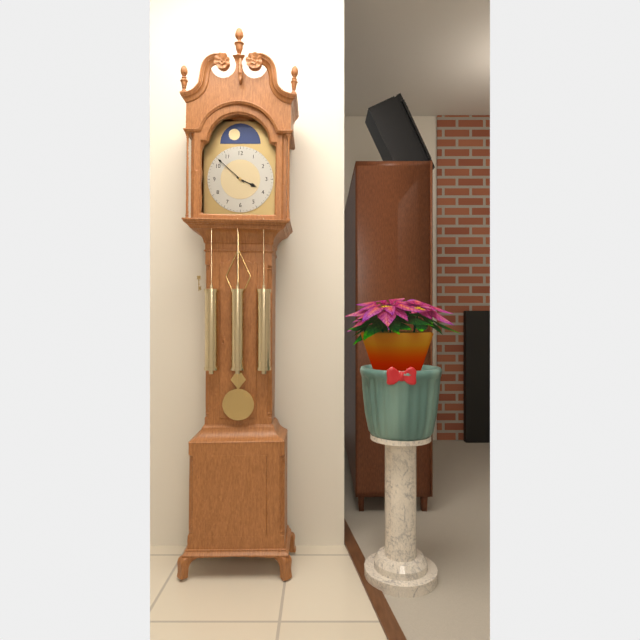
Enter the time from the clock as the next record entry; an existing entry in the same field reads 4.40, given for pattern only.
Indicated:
3.52
